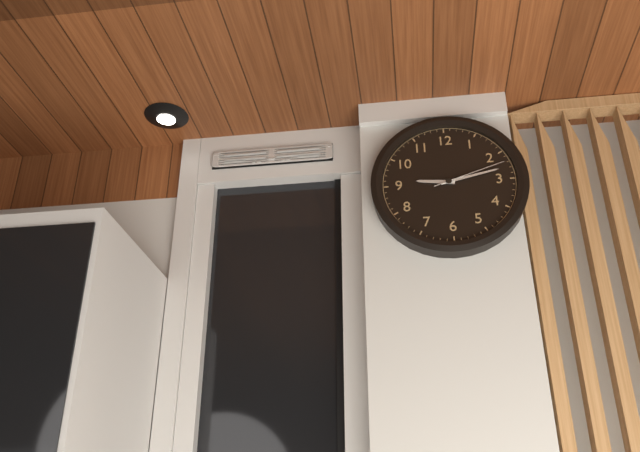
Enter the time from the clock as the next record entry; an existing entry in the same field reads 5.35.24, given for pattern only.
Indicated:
9.13.12
